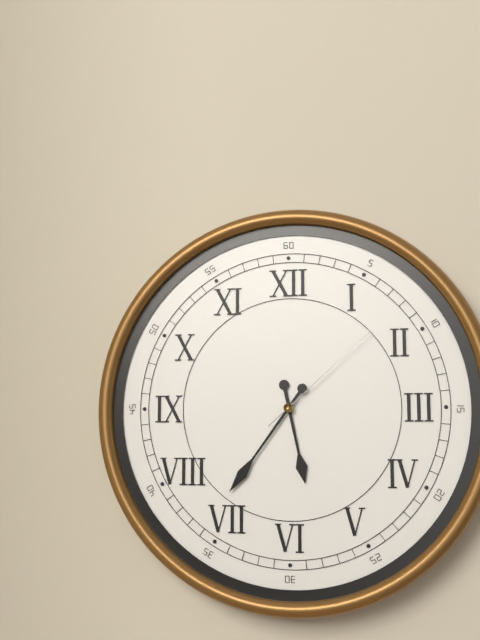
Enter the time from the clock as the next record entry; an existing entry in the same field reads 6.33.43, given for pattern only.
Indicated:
5.36.08
